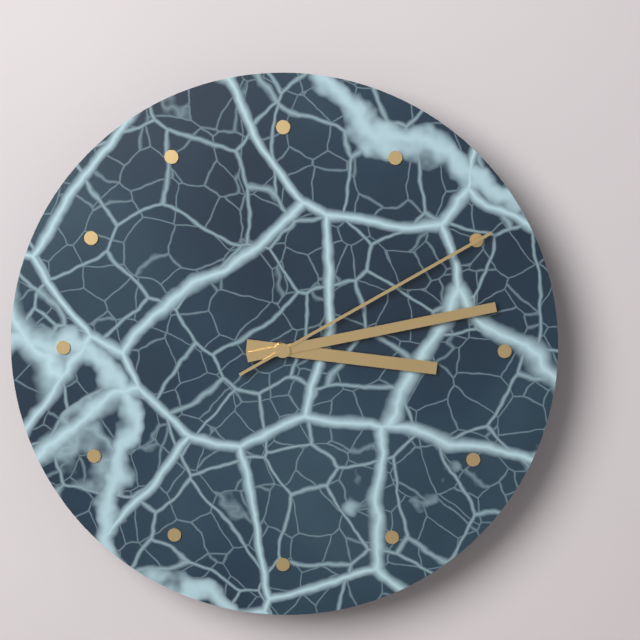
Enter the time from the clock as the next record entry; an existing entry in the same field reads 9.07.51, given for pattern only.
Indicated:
3.13.10
